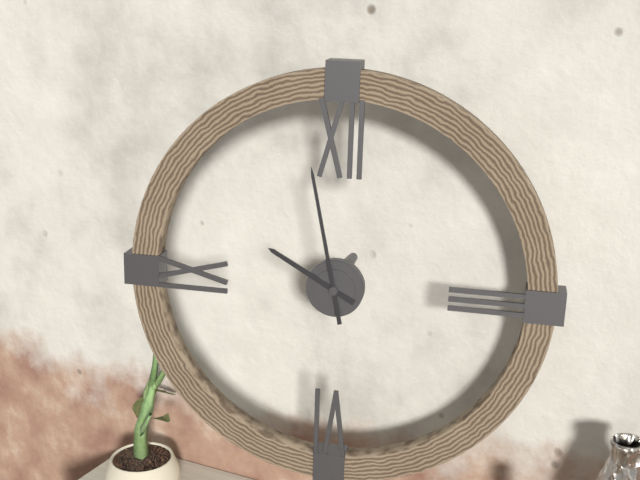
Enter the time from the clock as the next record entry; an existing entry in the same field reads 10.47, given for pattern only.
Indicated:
9.58
